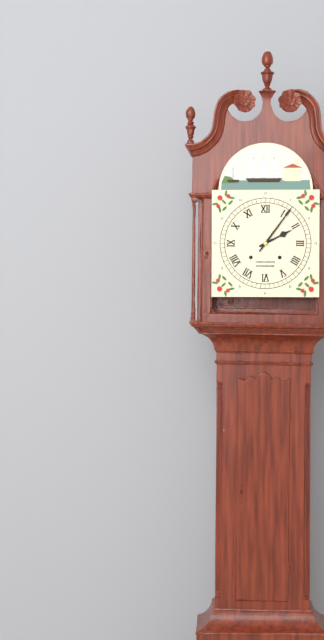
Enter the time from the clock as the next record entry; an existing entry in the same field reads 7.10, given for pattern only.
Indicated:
2.06
